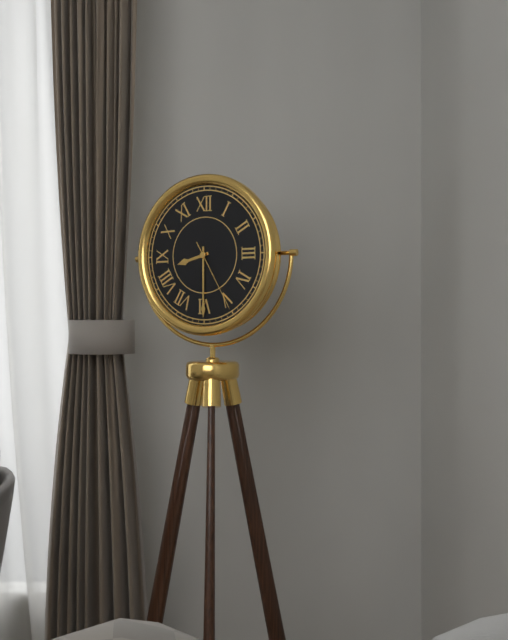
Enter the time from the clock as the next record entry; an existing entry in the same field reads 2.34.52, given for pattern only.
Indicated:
8.30.25
